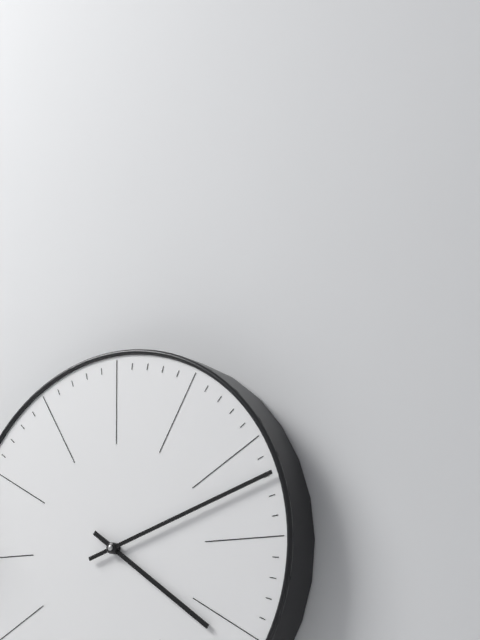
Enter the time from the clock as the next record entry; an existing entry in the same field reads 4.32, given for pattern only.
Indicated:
4.12
